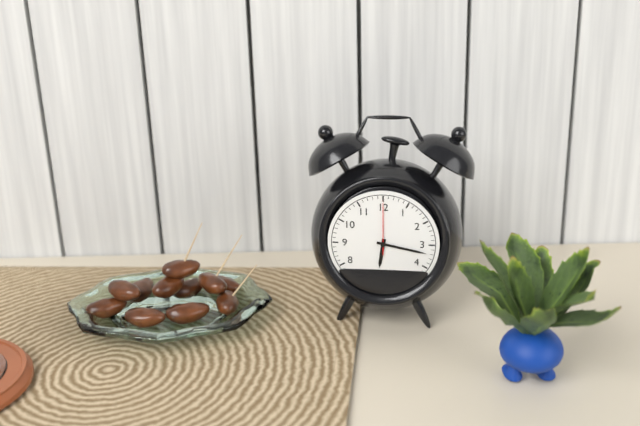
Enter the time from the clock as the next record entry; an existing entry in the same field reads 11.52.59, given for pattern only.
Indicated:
6.17.00
